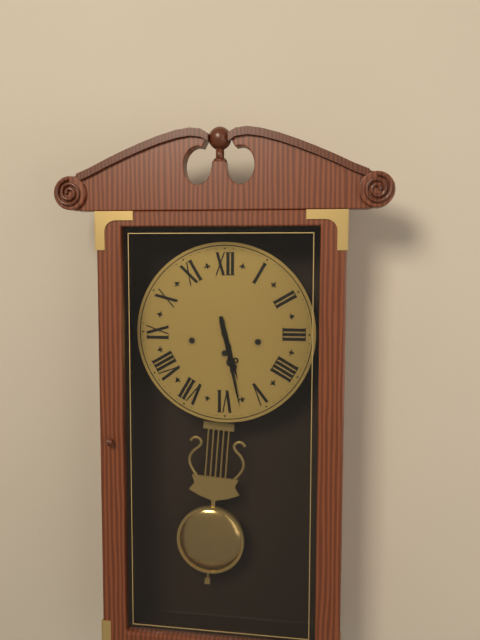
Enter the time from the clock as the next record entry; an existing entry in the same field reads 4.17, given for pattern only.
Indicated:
5.28
